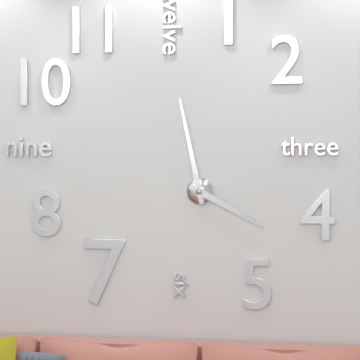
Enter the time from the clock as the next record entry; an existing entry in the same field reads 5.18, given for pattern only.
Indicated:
3.58
